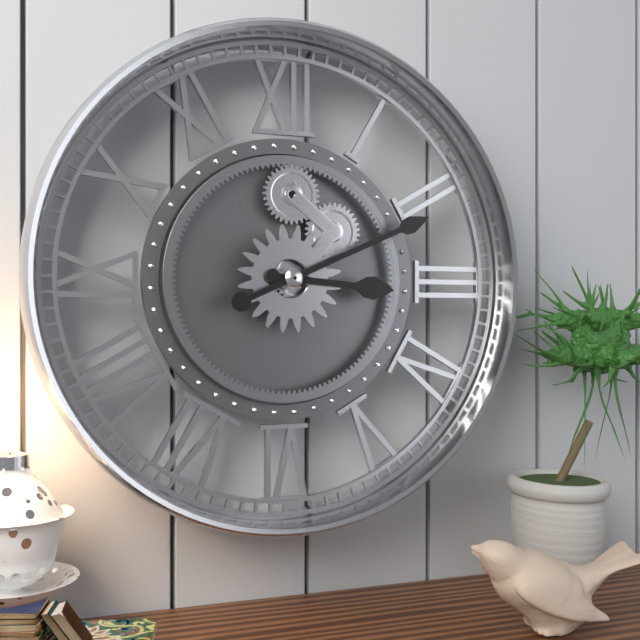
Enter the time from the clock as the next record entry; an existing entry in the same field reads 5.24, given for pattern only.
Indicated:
3.11
